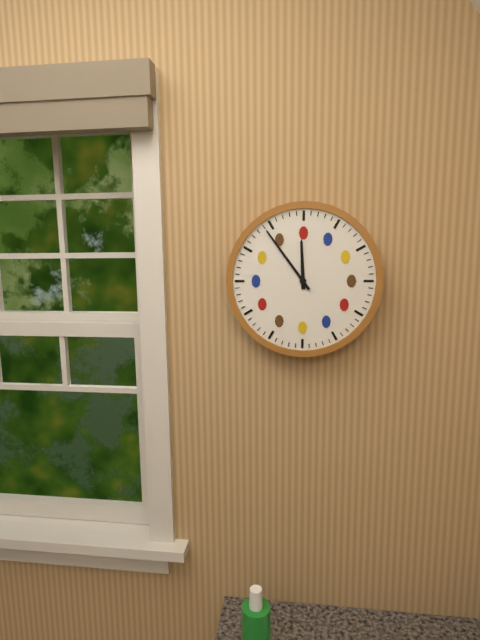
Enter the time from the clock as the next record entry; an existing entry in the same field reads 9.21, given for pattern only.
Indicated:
11.54
